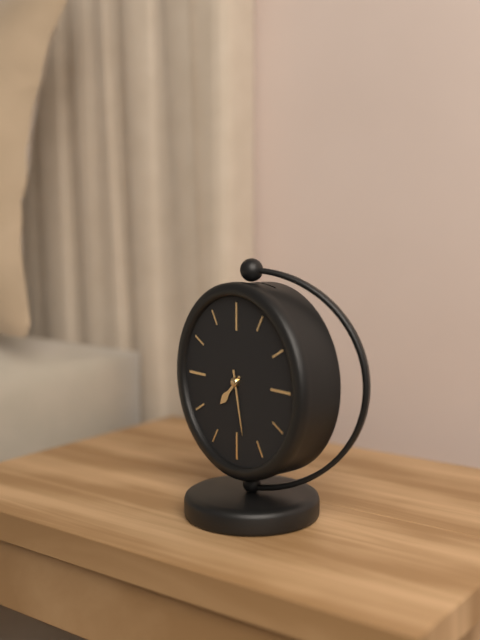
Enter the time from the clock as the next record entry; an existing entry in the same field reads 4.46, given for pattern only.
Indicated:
7.28
